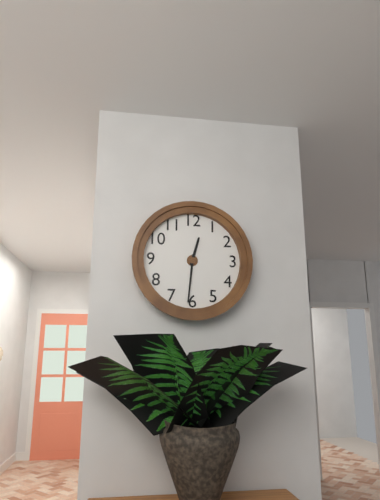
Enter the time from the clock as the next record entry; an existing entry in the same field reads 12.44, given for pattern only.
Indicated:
12.31
